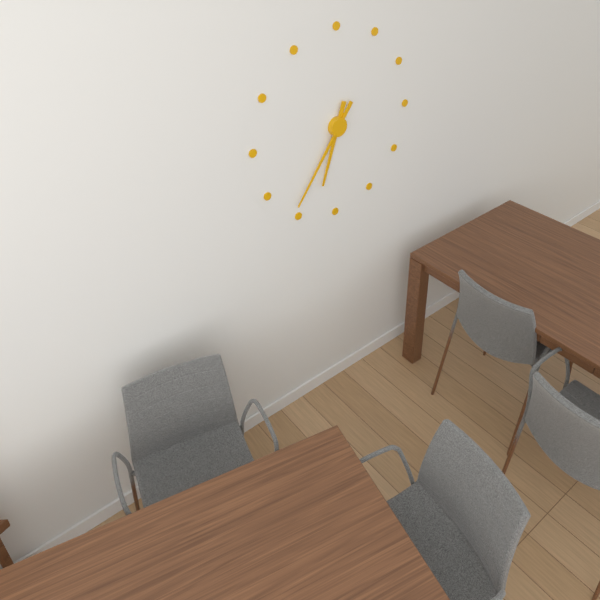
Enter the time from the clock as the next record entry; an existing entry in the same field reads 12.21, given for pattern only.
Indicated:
6.36
